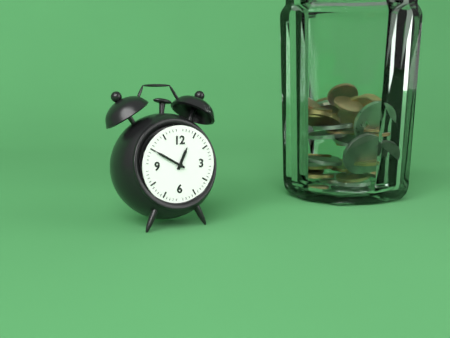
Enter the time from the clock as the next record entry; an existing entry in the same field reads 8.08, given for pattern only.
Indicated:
12.50
